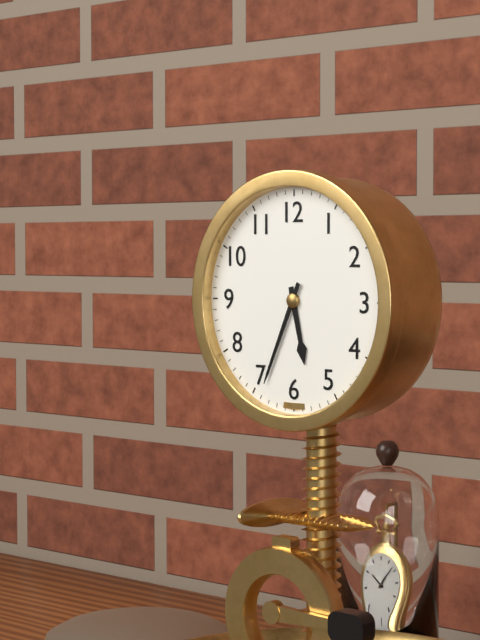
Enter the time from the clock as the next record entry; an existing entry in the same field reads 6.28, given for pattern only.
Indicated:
5.34
